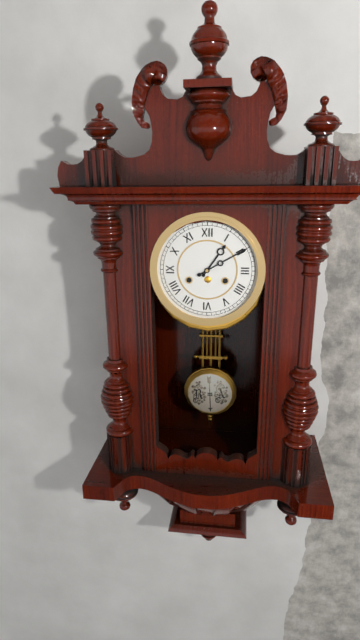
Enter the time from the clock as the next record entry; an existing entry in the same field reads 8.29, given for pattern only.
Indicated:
1.10
